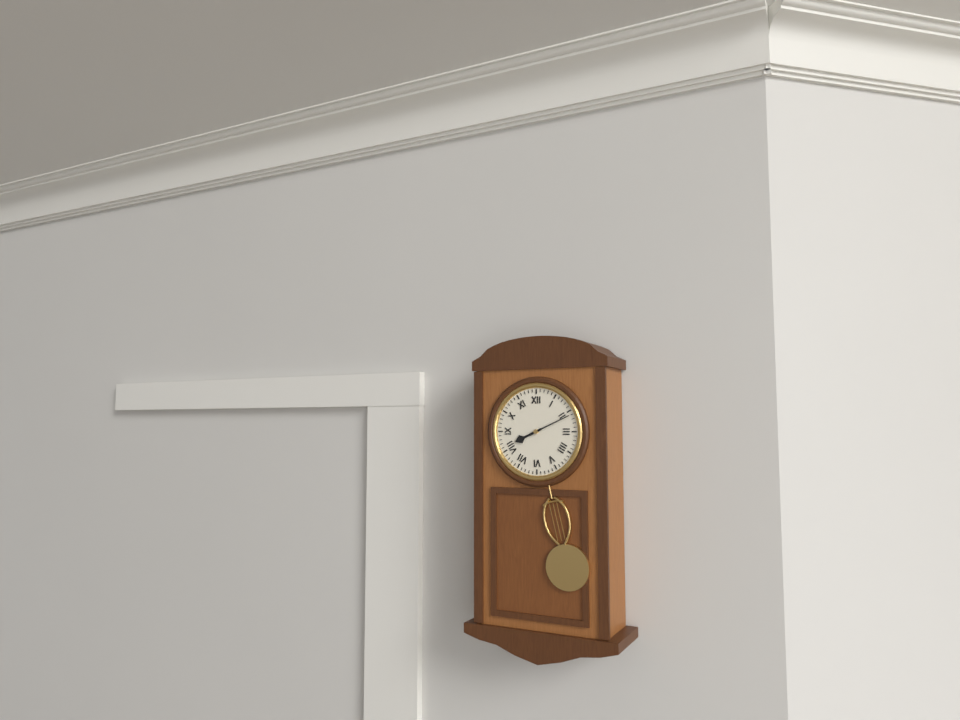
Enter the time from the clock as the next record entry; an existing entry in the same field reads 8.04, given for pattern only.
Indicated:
8.11
